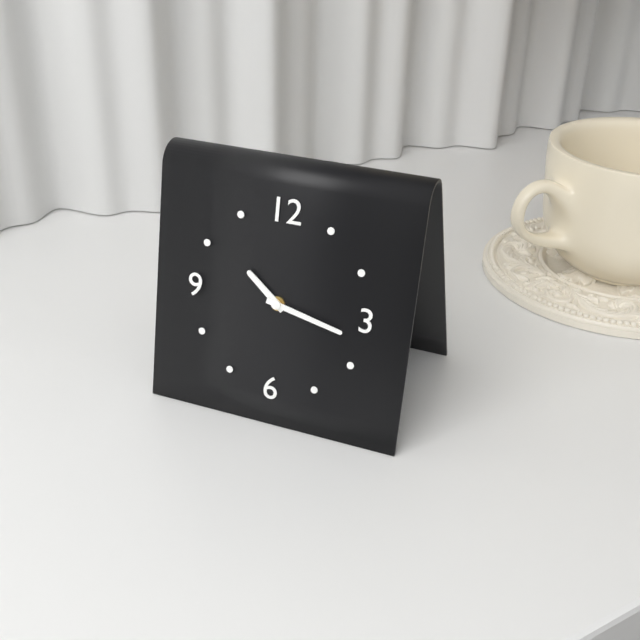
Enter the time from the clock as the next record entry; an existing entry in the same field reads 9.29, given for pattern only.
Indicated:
10.17
